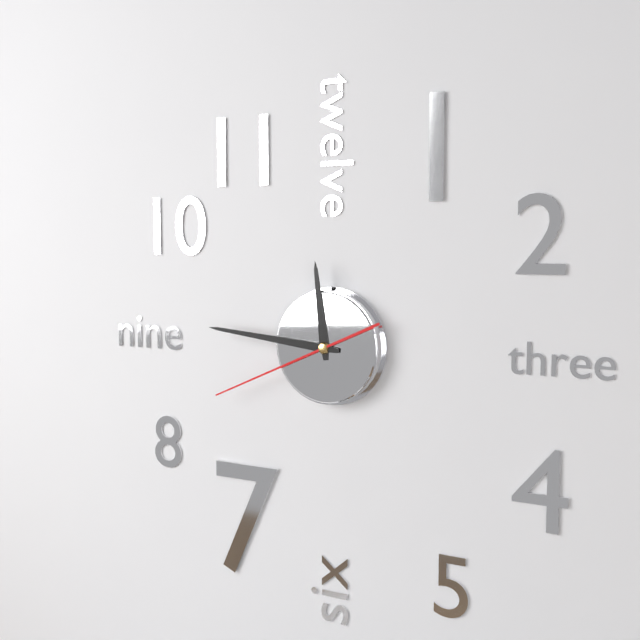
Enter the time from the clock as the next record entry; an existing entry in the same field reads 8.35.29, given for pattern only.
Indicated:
11.46.41
